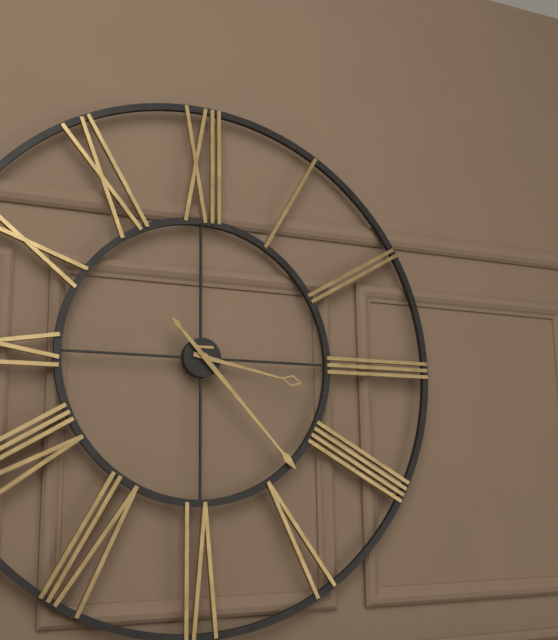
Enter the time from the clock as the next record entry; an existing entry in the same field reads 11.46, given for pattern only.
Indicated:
3.23
